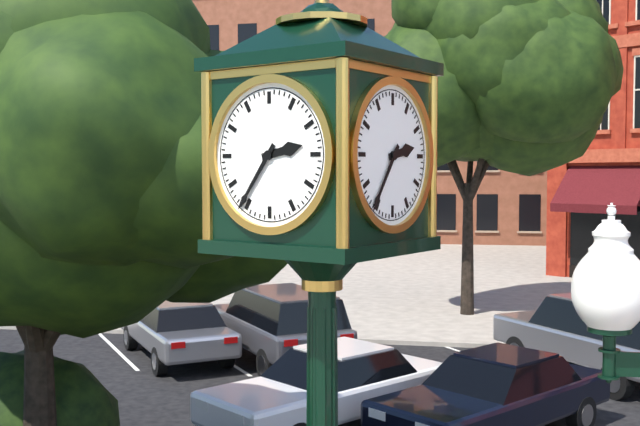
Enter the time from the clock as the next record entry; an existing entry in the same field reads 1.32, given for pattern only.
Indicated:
2.36
